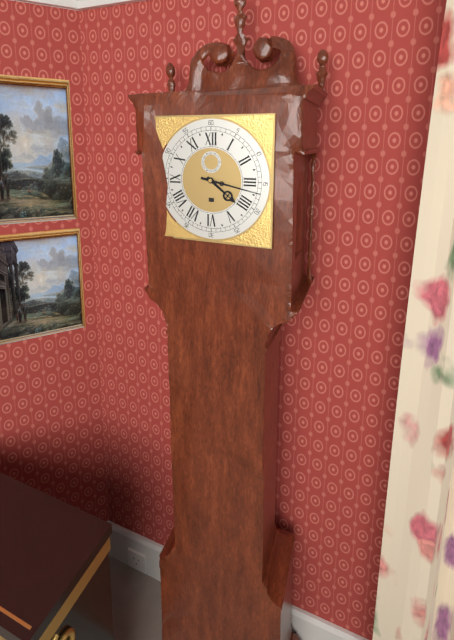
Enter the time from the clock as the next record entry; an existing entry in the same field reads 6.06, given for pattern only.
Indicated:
4.17
